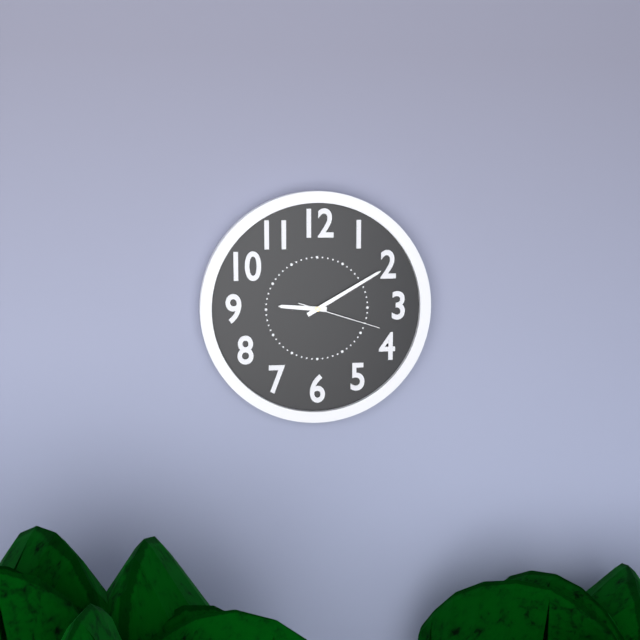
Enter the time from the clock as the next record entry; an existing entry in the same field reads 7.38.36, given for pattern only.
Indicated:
9.10.18
